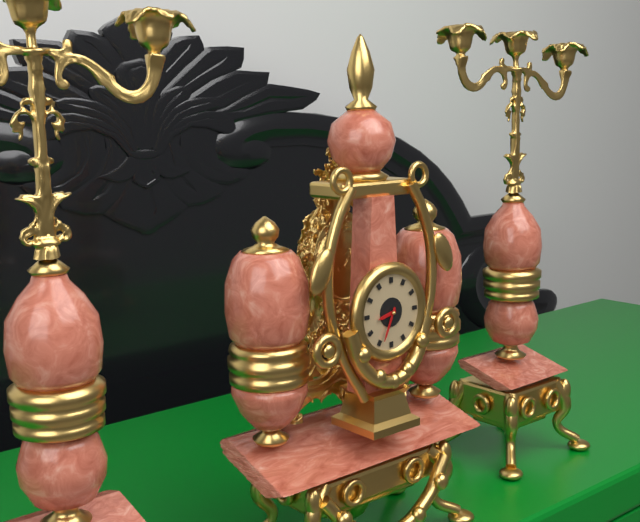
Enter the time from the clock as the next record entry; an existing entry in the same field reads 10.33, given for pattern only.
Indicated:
8.34
